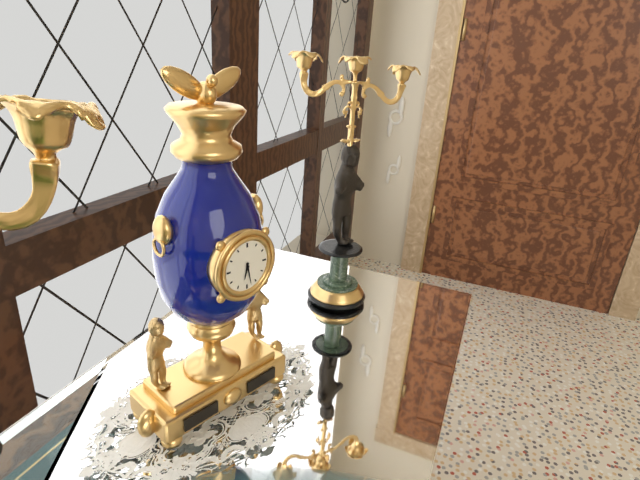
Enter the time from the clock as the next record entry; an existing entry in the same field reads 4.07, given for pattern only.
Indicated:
6.28
